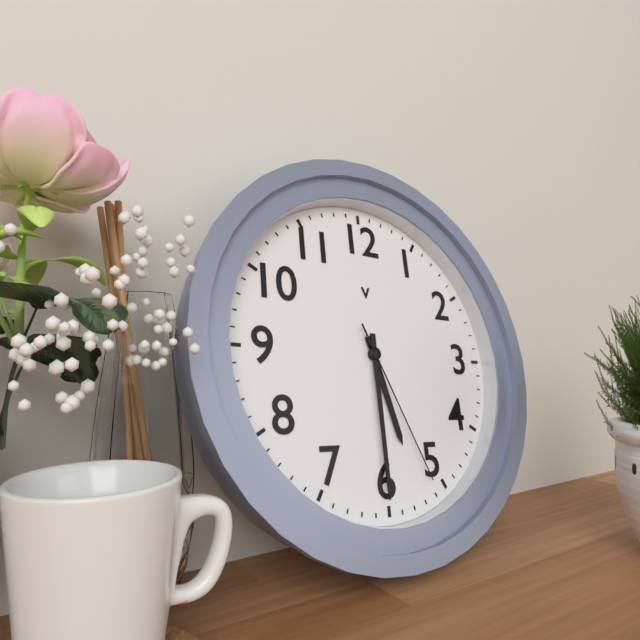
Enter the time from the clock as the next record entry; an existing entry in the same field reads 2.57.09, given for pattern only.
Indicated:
5.30.26
